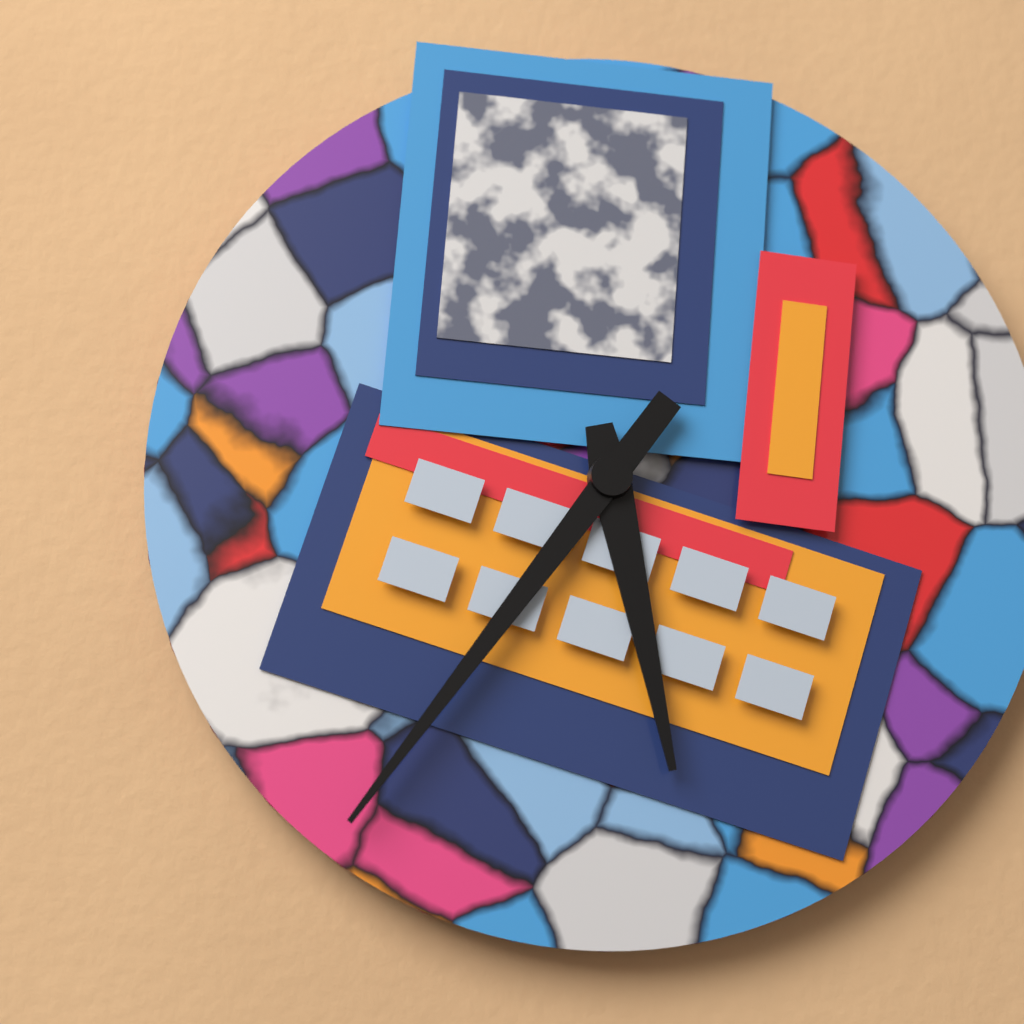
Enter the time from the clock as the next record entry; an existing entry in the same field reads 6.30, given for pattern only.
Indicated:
5.36
